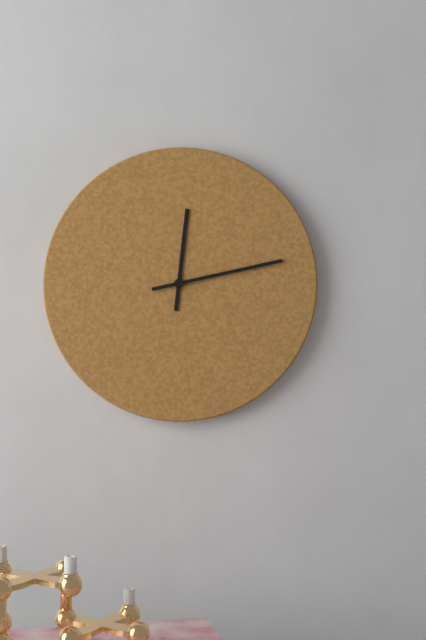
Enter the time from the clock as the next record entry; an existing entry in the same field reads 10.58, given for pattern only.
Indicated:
12.13
